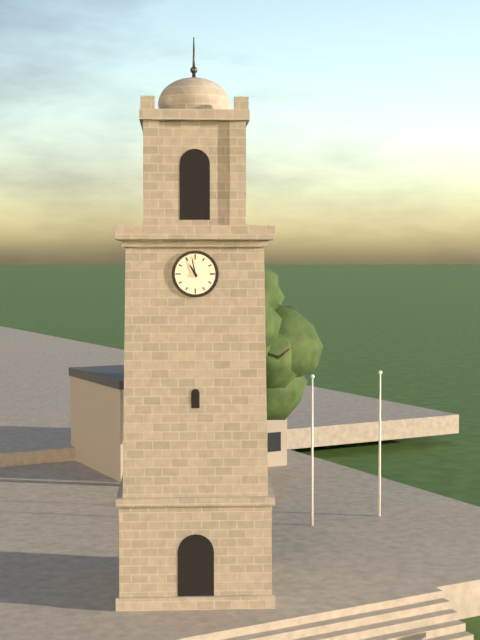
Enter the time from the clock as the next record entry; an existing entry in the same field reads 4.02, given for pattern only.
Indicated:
10.58
